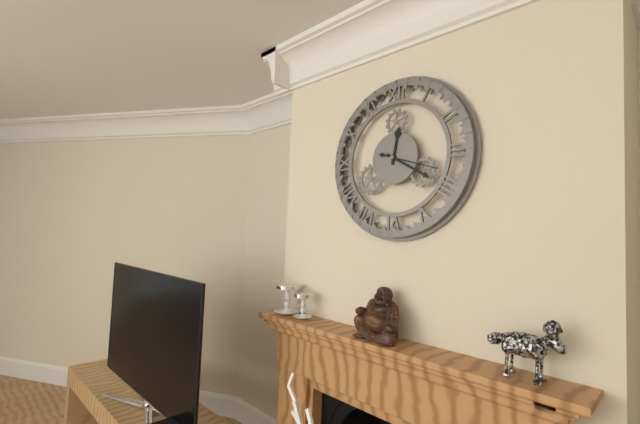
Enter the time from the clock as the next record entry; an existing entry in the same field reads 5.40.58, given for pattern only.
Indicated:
12.20.18
